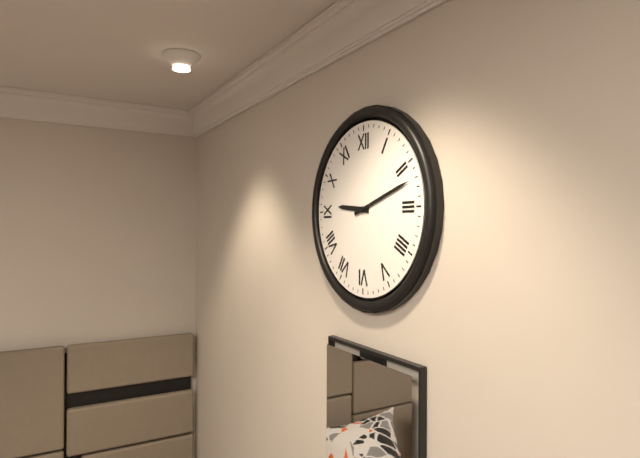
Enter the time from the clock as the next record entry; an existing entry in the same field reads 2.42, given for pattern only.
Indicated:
9.12
